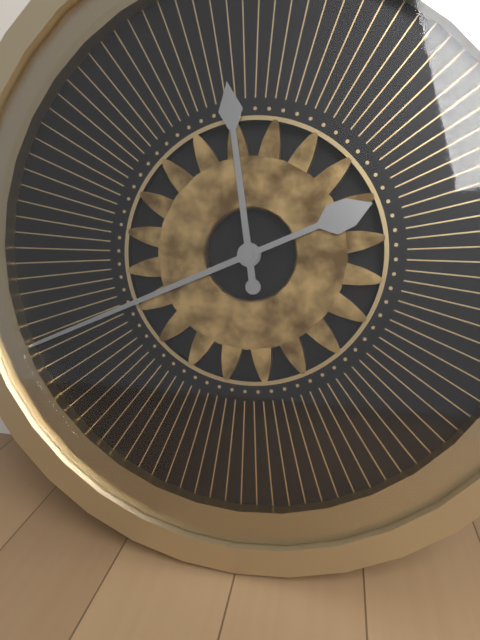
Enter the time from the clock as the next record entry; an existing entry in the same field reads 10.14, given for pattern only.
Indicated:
11.41
